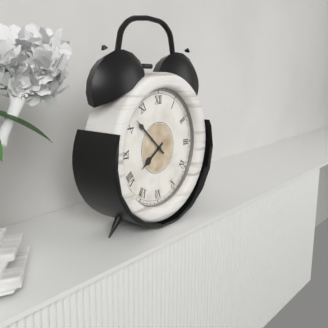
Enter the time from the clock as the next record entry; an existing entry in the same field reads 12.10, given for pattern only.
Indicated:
7.52
